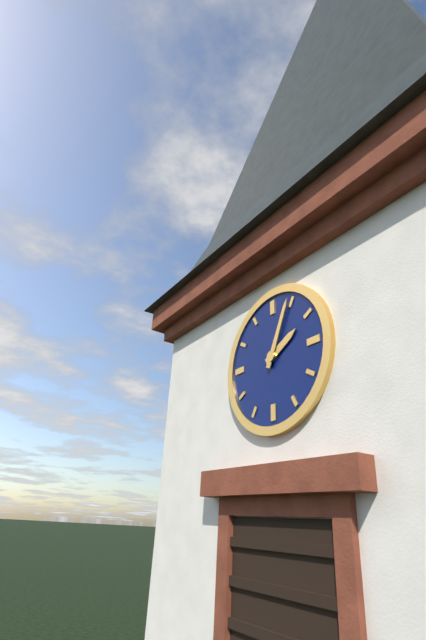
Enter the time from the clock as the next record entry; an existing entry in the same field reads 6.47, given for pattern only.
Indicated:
2.04
